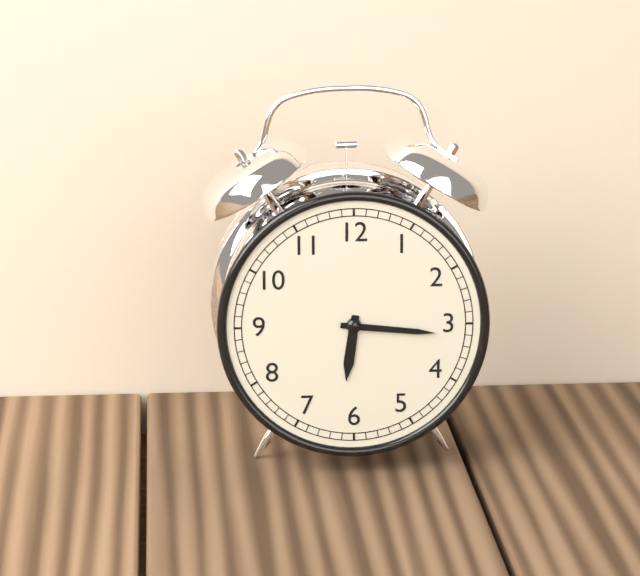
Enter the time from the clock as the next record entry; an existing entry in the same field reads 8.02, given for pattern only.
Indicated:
6.16
